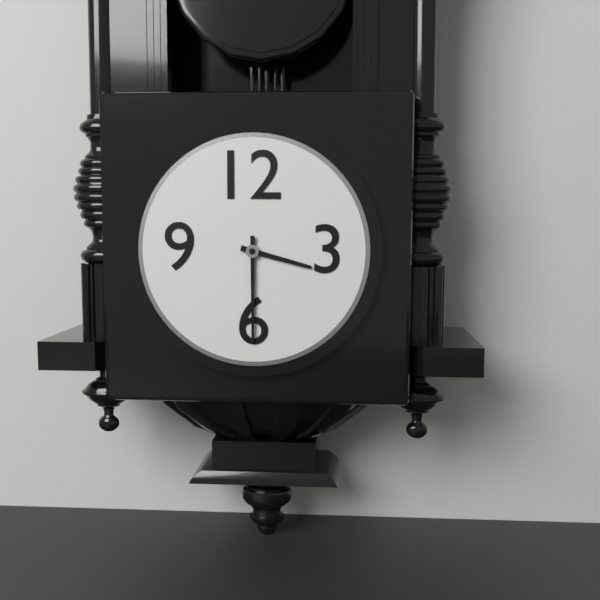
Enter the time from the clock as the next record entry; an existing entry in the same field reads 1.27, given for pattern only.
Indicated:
3.30
